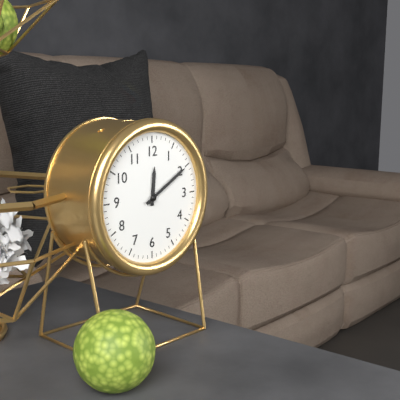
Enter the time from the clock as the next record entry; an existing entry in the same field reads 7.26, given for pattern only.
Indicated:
12.10
